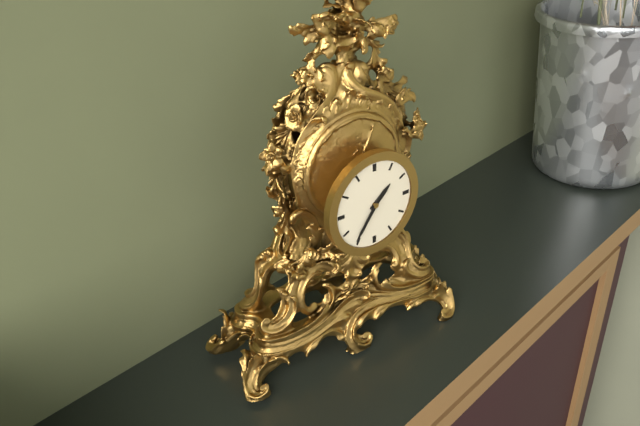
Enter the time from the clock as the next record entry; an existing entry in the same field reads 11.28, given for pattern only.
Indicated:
1.36
